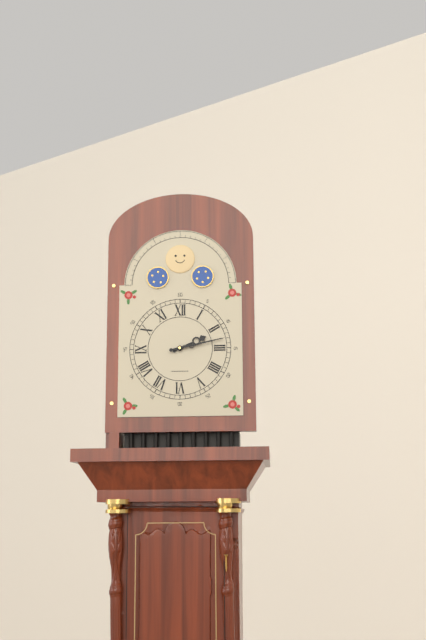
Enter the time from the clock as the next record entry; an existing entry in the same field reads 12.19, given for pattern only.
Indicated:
2.13
